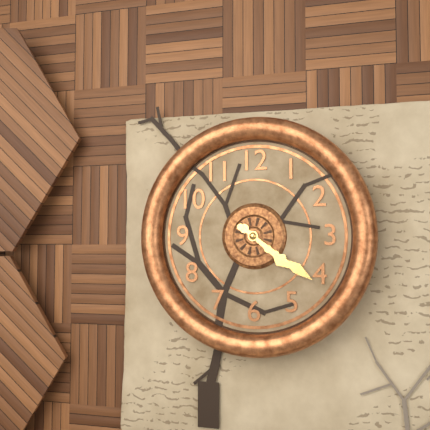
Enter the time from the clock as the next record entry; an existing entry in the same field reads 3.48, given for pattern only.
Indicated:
4.21
